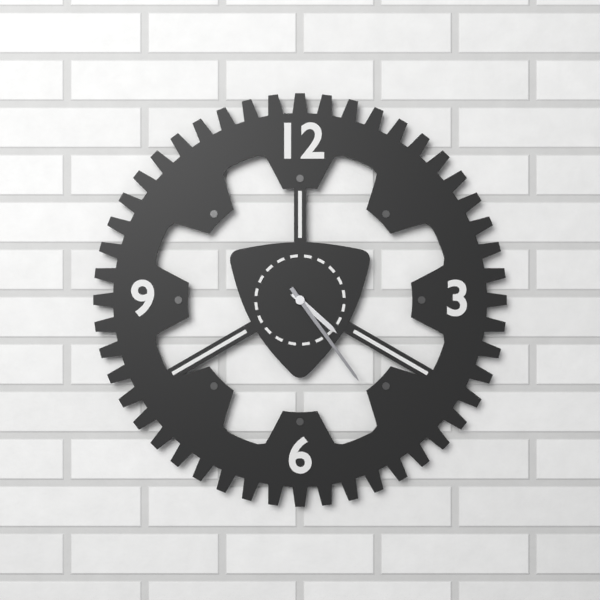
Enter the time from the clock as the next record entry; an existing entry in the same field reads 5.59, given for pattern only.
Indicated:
4.24
